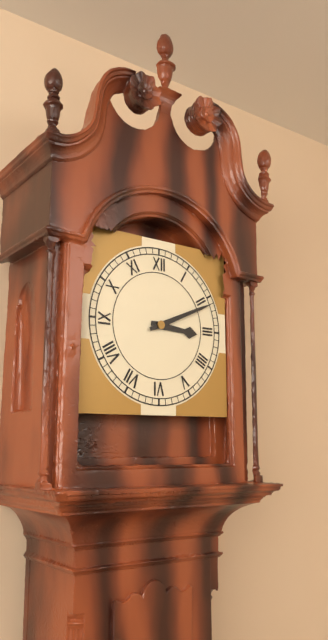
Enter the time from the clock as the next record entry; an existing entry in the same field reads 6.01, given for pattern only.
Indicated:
3.11
